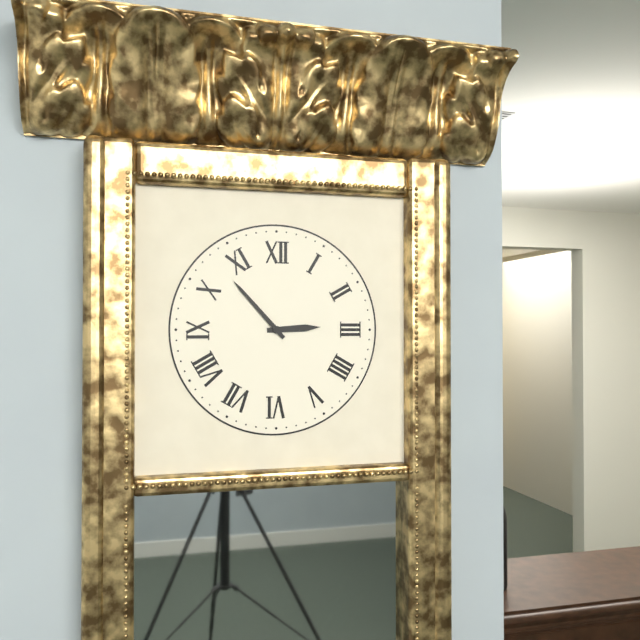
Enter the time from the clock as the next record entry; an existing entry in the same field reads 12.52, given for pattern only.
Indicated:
2.53
